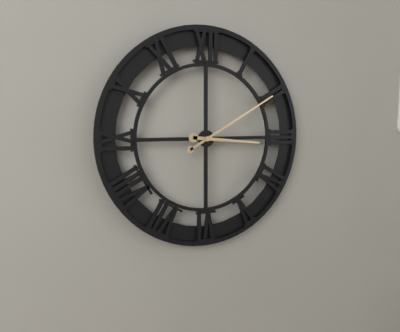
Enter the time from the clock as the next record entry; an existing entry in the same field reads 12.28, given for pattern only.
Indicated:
3.10
